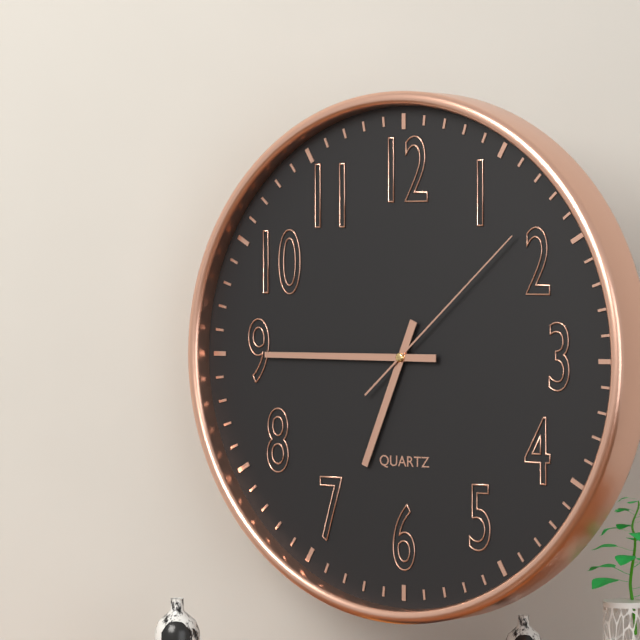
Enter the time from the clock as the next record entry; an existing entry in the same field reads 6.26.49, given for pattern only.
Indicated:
6.45.08
